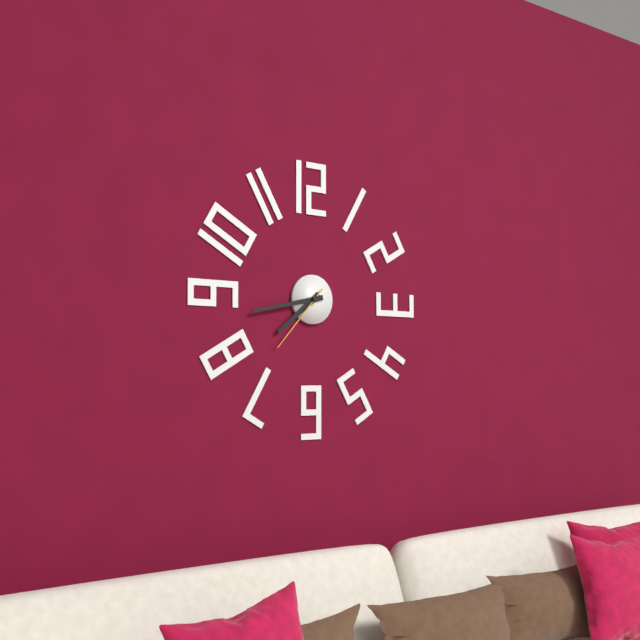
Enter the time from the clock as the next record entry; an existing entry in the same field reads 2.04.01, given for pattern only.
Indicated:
7.43.37
